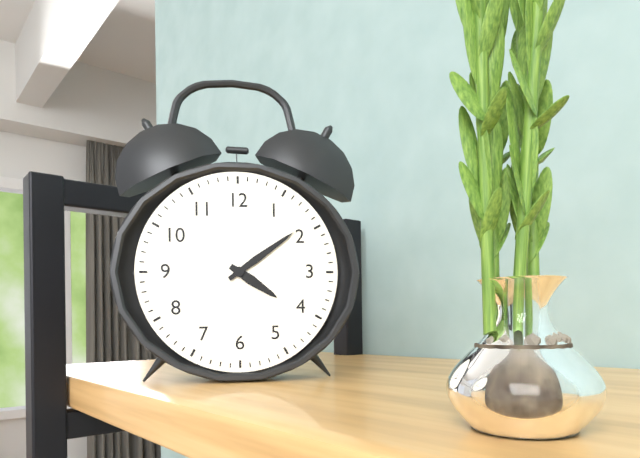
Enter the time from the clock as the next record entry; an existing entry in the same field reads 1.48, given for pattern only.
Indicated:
4.09
